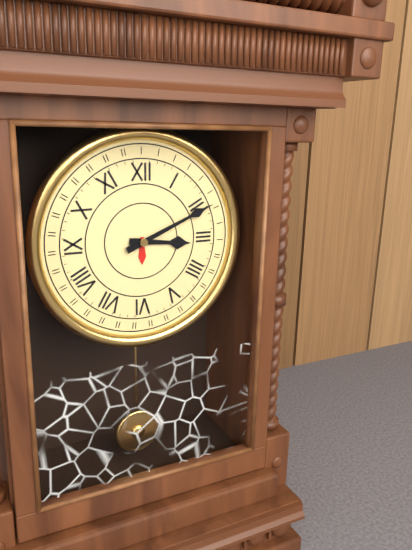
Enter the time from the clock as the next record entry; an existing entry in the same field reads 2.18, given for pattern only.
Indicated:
3.11
